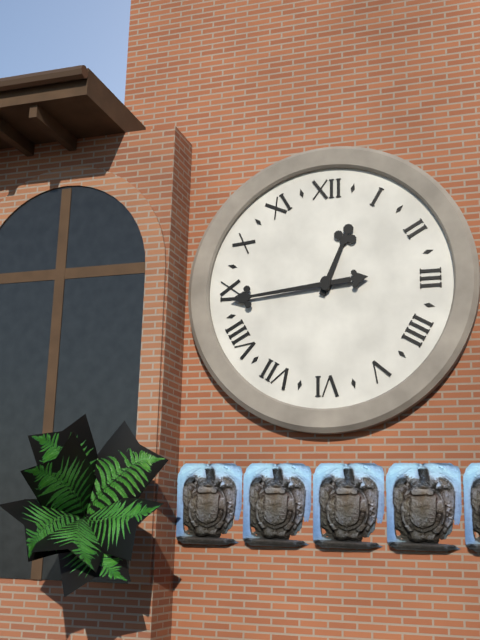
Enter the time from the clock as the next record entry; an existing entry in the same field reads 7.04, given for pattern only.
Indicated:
12.44
